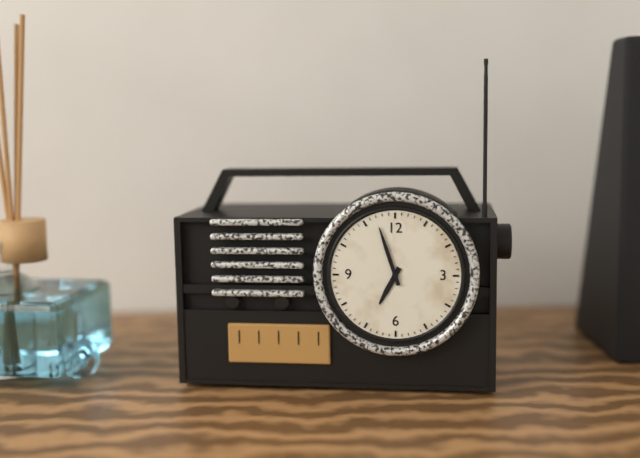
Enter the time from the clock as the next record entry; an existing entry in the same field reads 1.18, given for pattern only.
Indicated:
6.57
